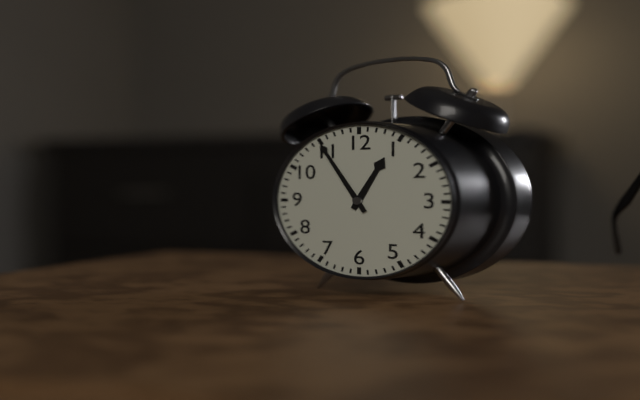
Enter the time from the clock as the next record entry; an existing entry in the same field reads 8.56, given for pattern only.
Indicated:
12.55
